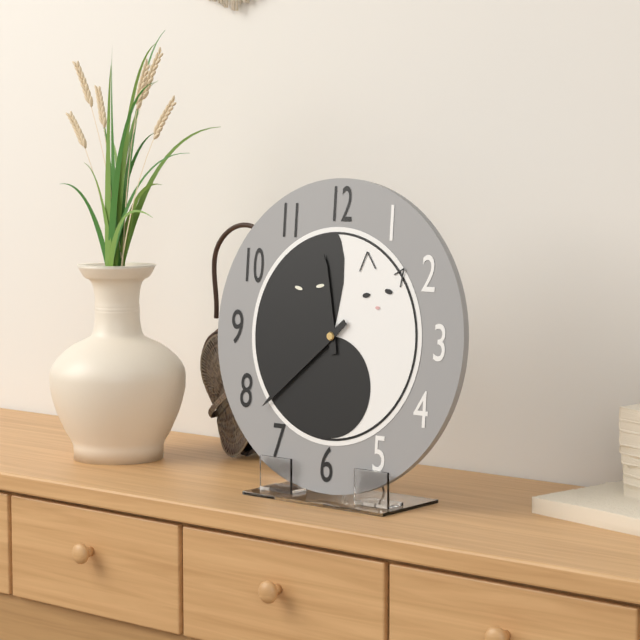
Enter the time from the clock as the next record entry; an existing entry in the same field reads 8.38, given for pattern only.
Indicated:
11.38
